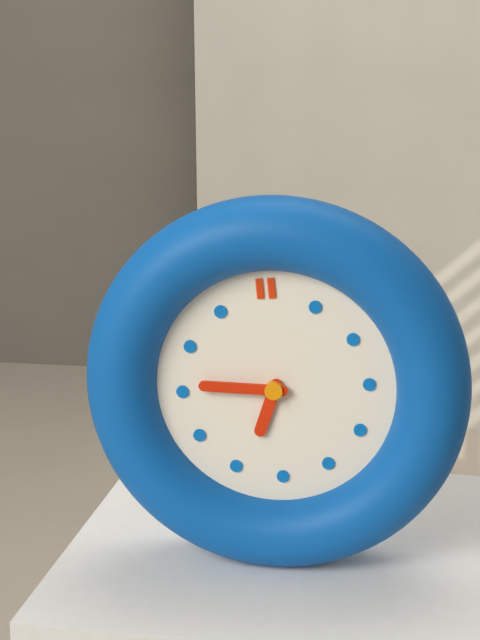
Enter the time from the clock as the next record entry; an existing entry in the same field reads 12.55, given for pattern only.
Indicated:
6.46
